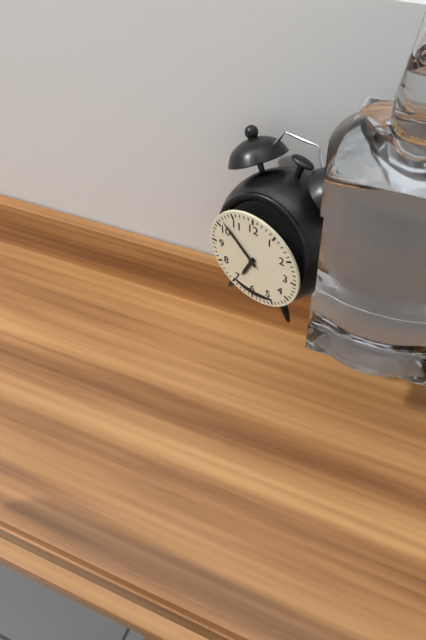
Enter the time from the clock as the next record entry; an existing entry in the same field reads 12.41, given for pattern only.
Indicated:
6.52
